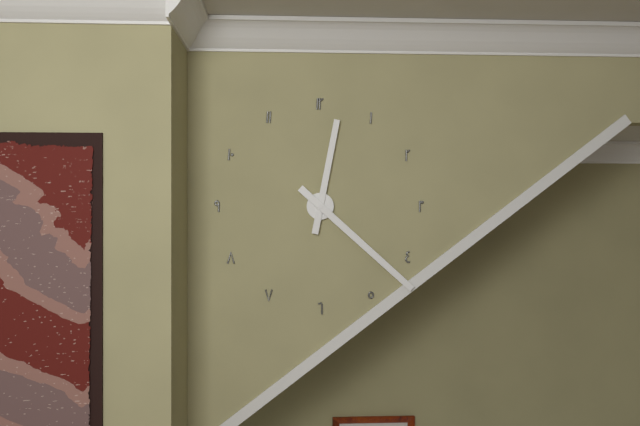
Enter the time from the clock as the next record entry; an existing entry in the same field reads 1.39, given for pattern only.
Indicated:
12.22
